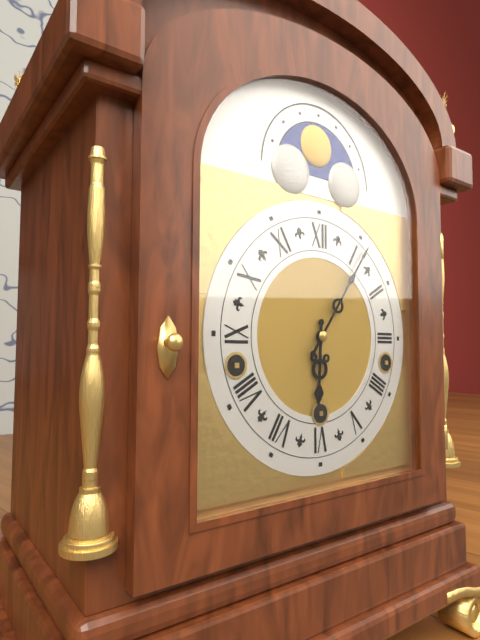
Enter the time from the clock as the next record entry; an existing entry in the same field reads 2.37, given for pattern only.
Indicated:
6.06
